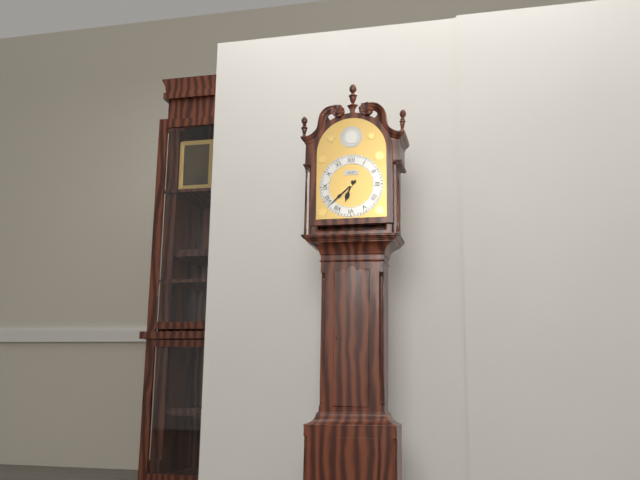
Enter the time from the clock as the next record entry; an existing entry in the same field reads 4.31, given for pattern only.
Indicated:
6.38
